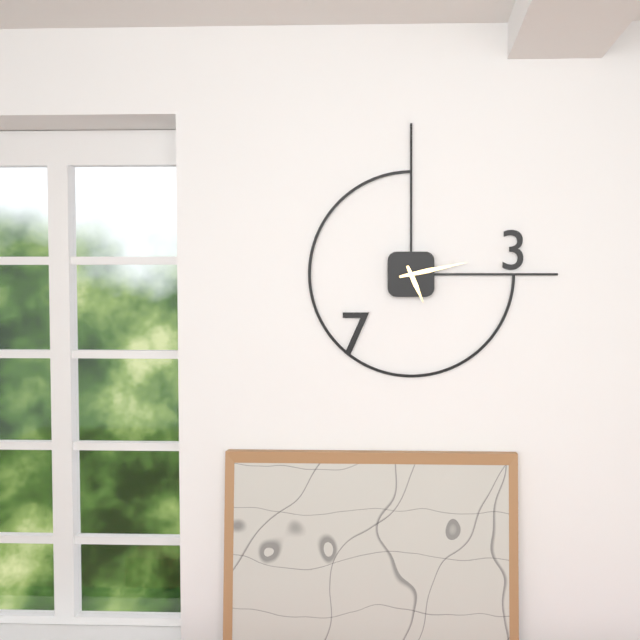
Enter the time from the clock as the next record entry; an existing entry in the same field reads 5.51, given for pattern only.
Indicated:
5.13
